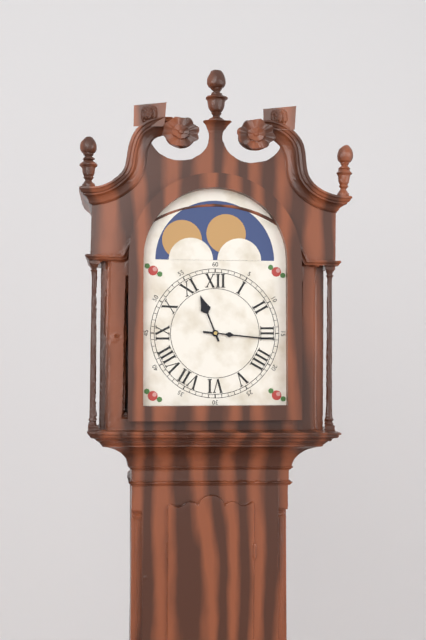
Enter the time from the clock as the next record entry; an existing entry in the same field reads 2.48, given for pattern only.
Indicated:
11.16
